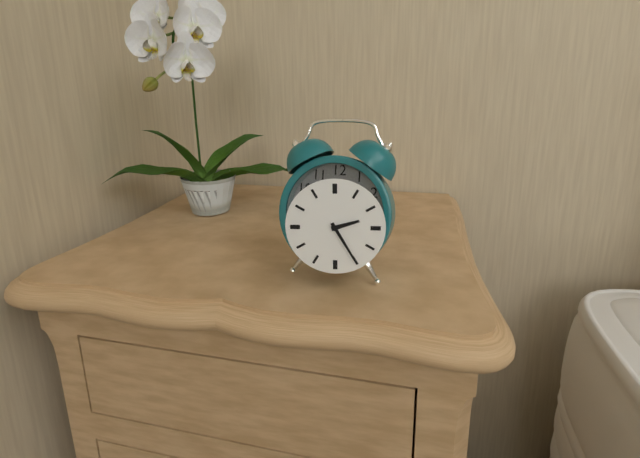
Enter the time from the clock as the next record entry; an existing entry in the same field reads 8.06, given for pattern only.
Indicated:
2.25
